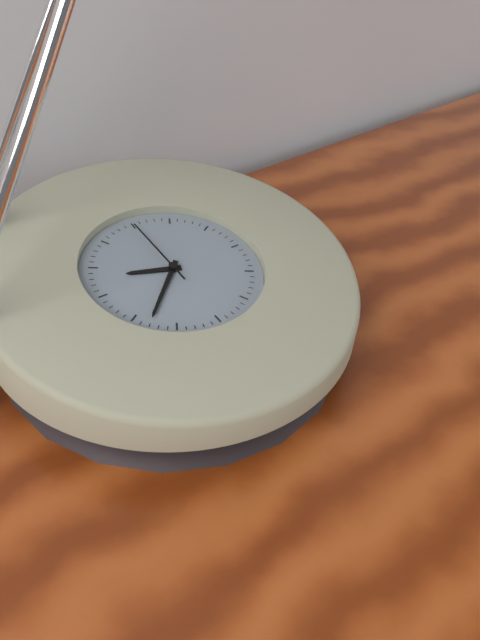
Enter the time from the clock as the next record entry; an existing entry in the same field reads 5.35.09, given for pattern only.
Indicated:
9.38.00
